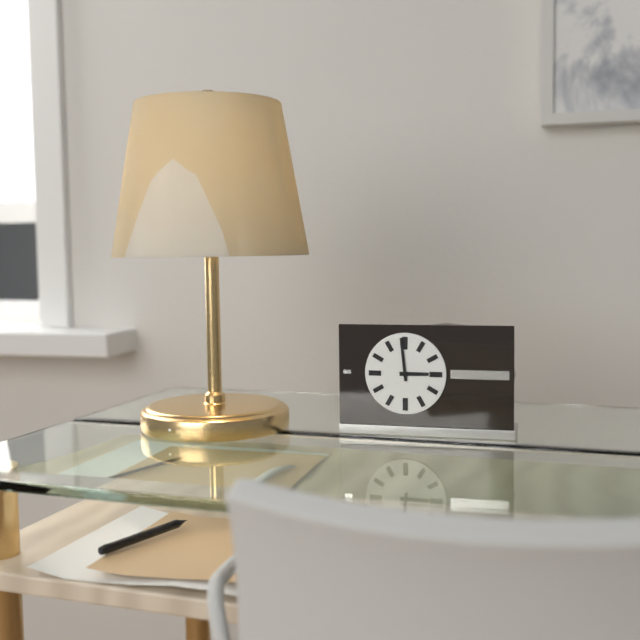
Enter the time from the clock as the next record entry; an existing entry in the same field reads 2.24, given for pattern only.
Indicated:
2.59
